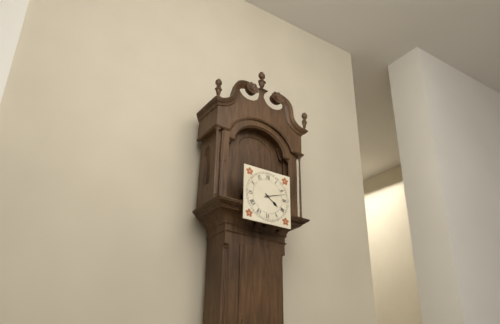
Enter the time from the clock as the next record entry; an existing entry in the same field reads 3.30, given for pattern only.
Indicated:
4.12
